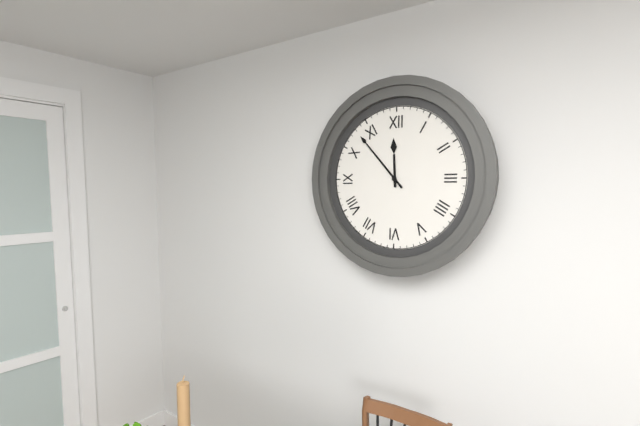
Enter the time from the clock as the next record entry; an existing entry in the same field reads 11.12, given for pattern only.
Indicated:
11.53
